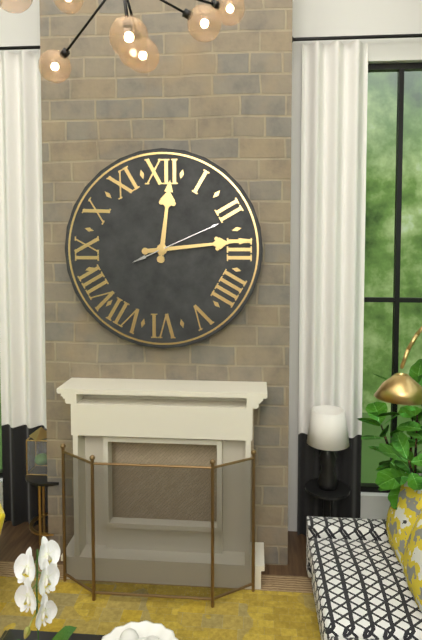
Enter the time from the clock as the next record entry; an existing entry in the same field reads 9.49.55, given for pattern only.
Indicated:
12.14.11
